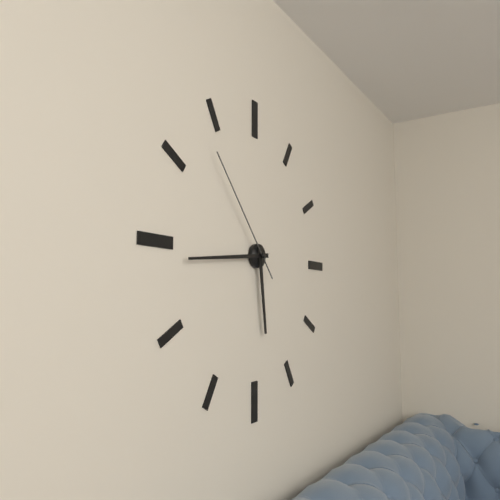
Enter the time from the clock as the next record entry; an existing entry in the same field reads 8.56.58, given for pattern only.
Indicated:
5.44.53
